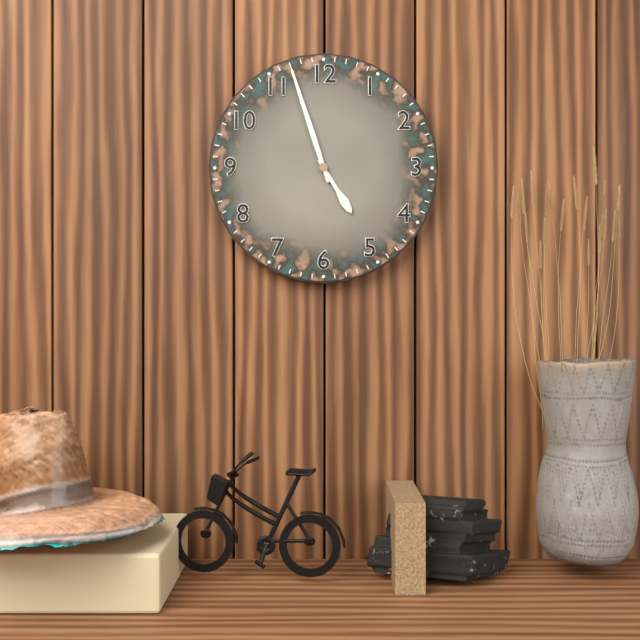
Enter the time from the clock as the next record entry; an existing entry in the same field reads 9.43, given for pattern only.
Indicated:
4.57
